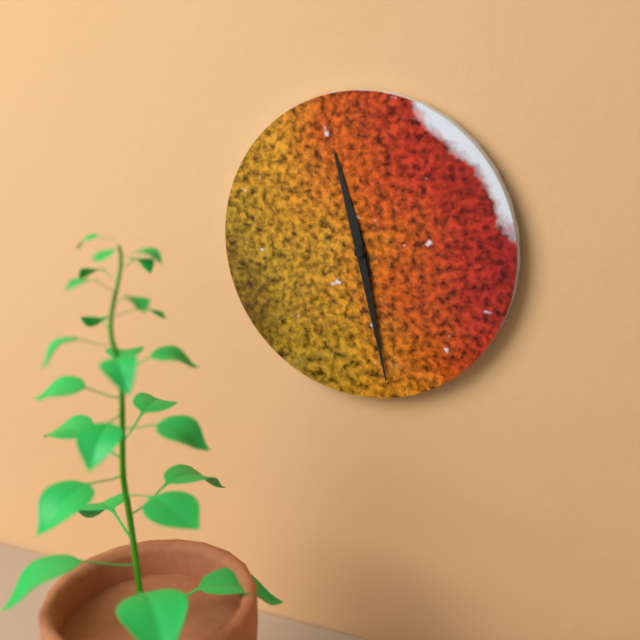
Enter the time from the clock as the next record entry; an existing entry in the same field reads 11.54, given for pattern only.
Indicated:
11.28
